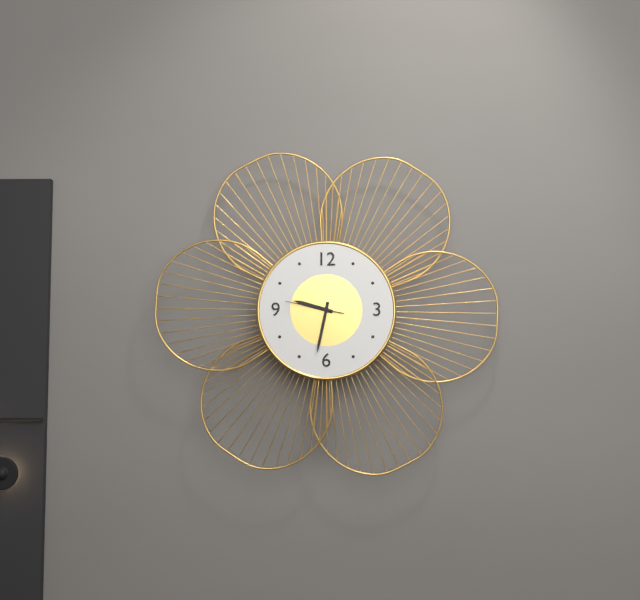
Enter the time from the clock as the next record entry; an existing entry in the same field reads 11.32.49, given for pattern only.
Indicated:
9.32.47
